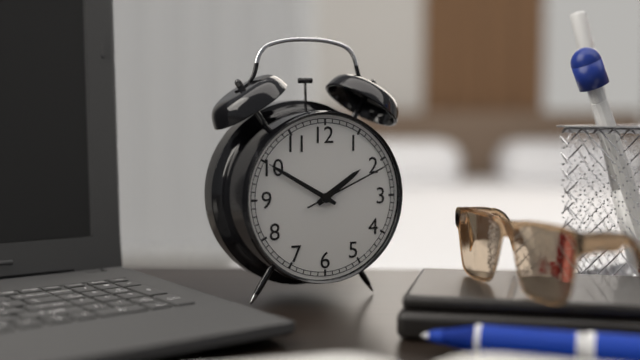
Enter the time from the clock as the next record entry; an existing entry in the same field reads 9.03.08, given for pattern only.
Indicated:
1.50.11
